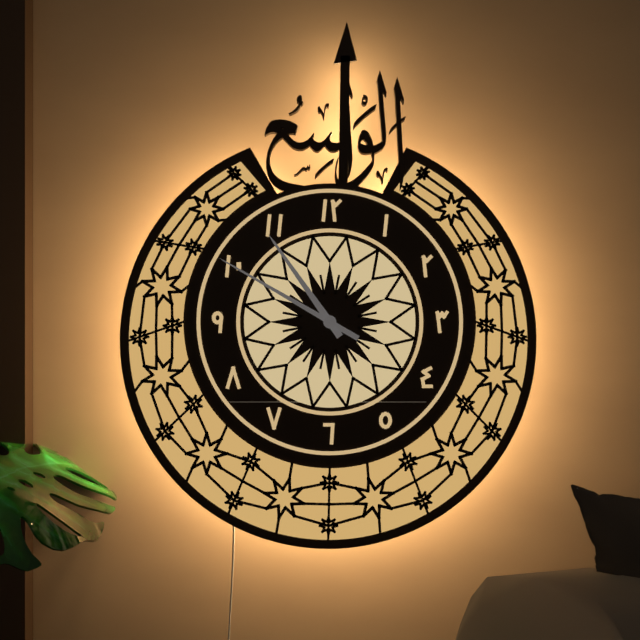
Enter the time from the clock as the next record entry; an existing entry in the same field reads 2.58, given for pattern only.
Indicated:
10.50
